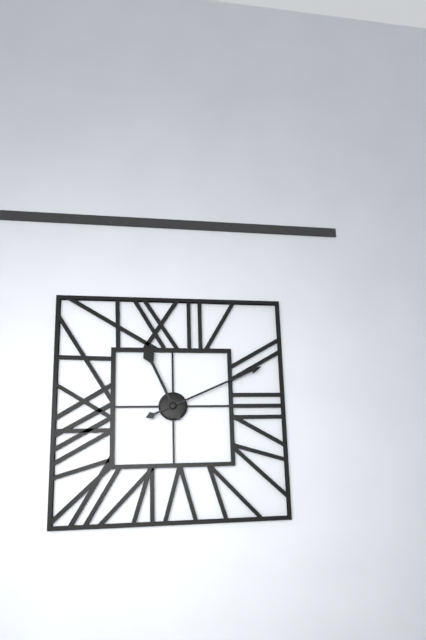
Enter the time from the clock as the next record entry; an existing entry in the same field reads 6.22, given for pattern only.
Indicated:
11.11
